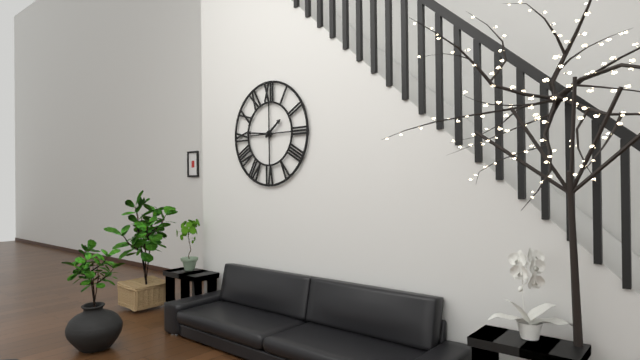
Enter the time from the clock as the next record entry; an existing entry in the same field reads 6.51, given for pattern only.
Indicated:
1.46
